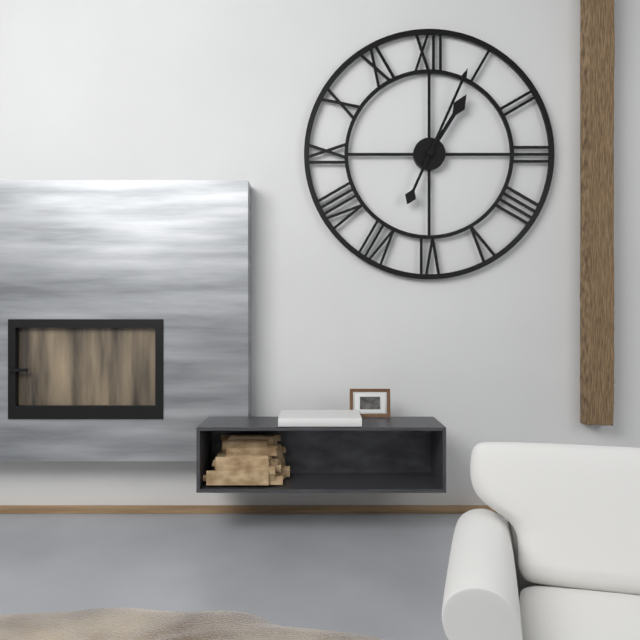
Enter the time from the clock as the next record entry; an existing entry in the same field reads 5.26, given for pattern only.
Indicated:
1.04
